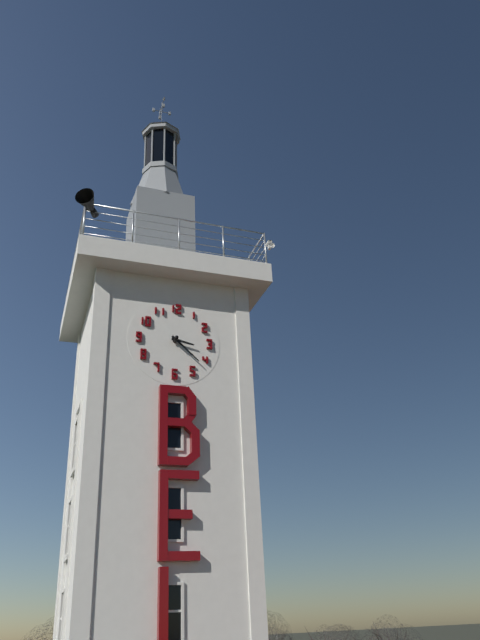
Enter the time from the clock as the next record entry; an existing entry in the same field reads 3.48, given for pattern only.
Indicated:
3.22
